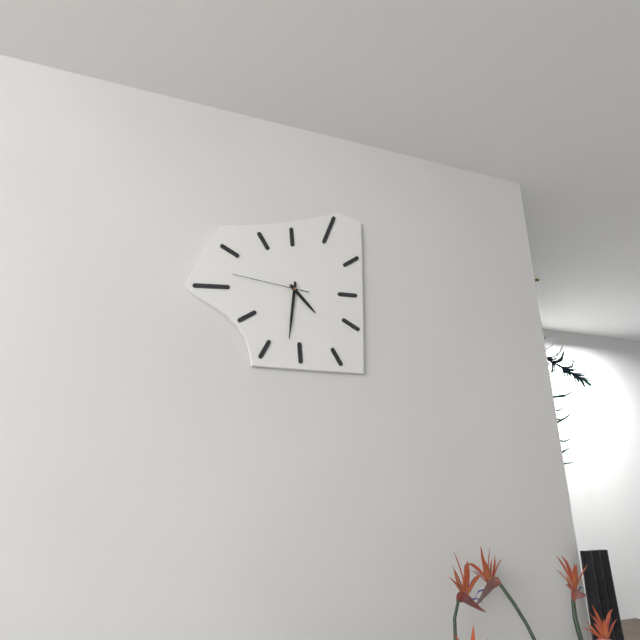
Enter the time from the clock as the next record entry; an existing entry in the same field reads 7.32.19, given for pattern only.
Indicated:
4.31.46
